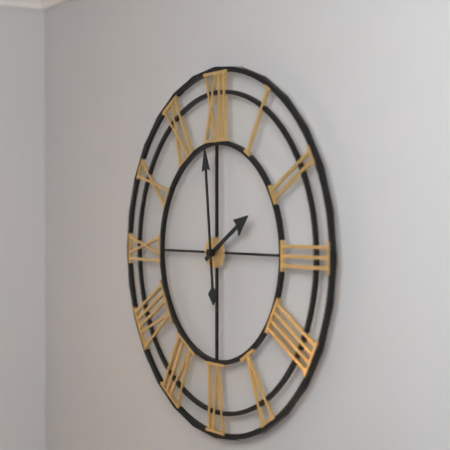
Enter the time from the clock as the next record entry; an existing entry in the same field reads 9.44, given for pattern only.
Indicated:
1.59
